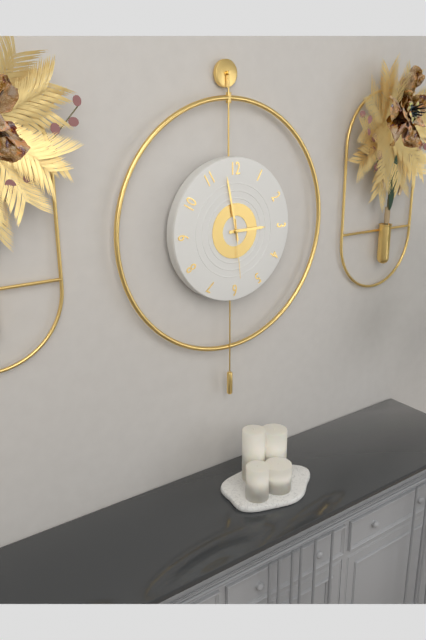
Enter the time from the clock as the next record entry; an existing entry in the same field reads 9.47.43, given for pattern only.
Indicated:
2.58.29
